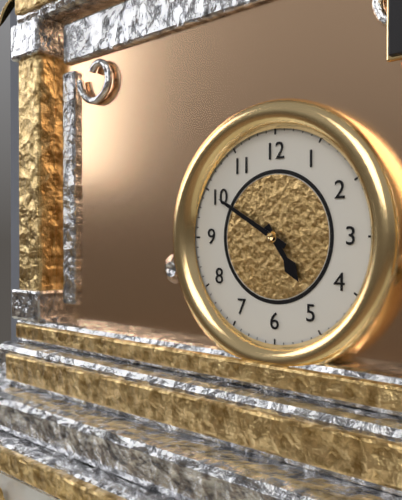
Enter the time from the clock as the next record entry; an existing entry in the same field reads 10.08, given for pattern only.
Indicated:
4.50
